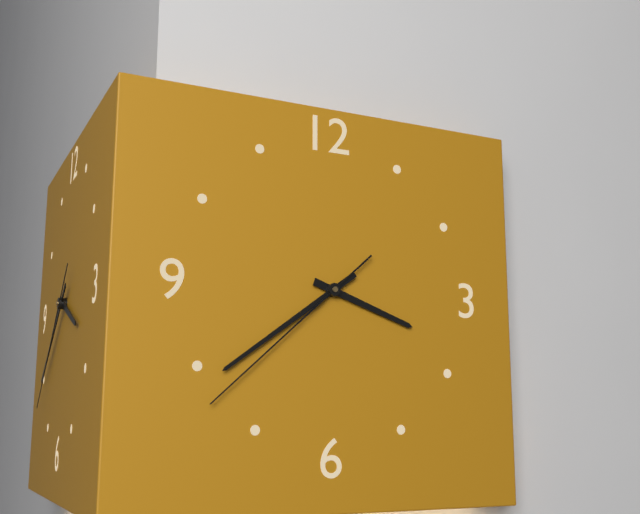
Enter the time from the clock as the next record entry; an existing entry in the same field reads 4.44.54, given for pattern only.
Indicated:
3.39.38
